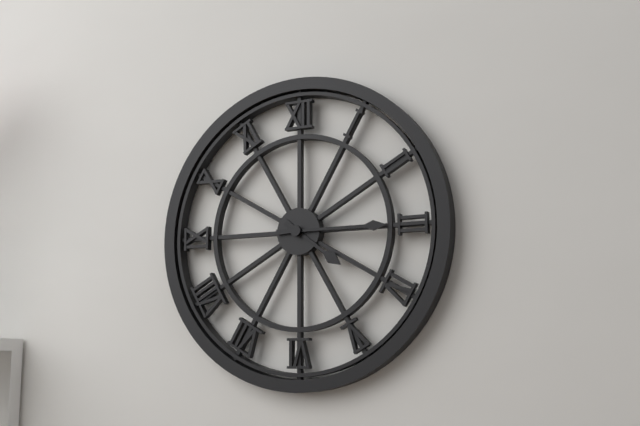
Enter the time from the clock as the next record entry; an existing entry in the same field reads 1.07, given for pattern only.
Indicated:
4.15
